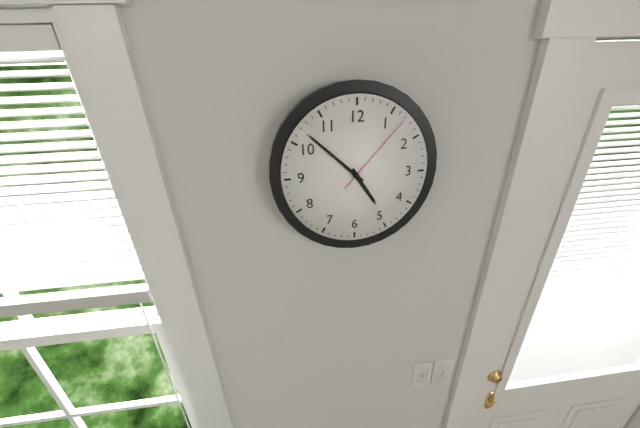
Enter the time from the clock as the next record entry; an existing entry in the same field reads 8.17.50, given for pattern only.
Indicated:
4.52.07
